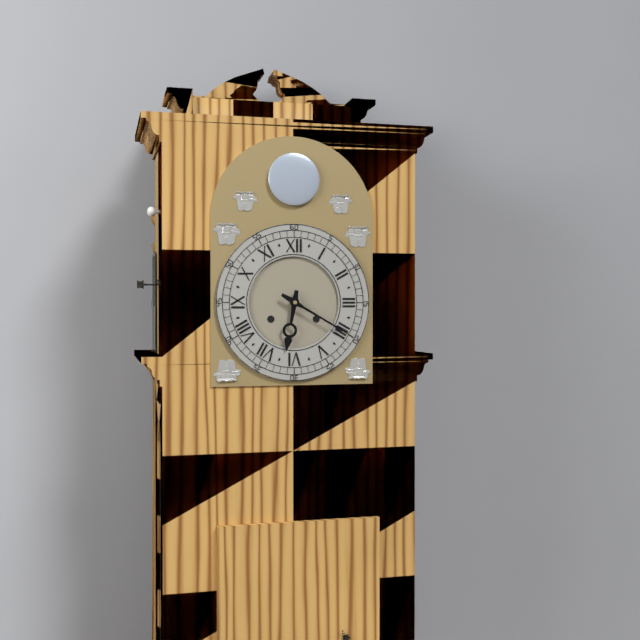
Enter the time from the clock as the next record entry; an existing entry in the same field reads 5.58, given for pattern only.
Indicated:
6.20
